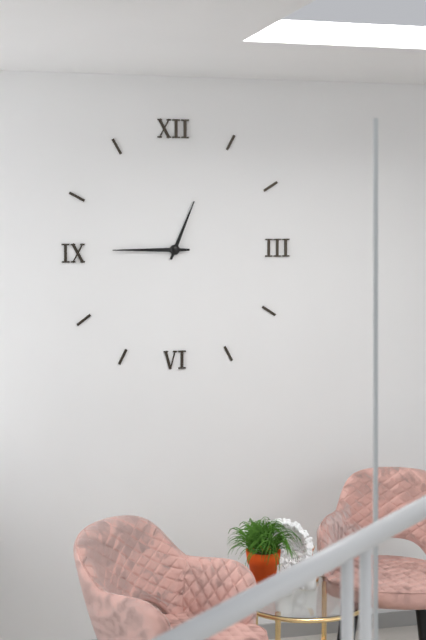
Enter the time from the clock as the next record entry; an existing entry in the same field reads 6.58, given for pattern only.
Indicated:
12.45
